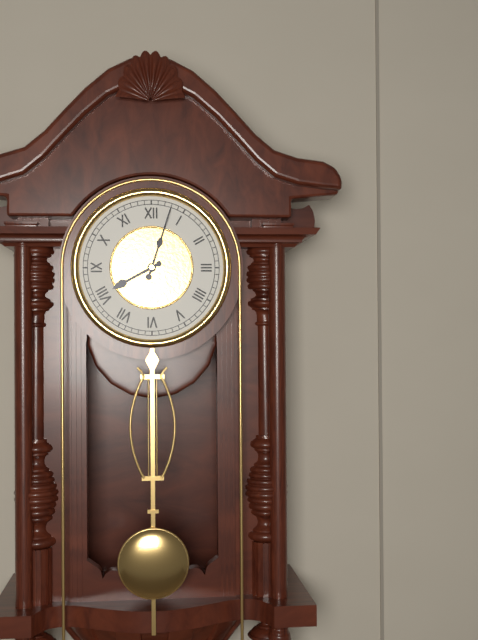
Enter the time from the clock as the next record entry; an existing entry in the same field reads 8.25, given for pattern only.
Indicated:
8.03
